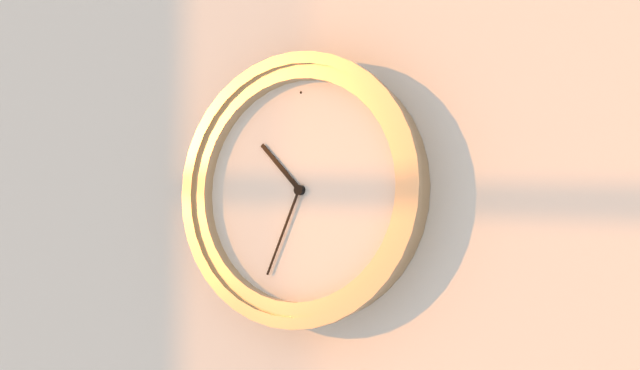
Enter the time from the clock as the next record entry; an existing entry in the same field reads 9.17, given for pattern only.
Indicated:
10.34
